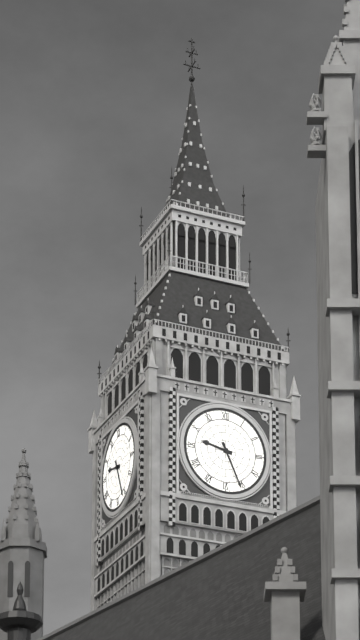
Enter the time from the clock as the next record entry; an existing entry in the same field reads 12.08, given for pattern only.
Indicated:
9.26
